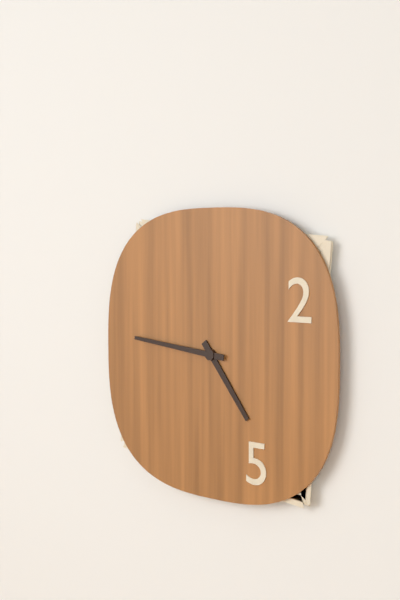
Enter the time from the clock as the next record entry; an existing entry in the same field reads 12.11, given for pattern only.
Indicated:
4.46
